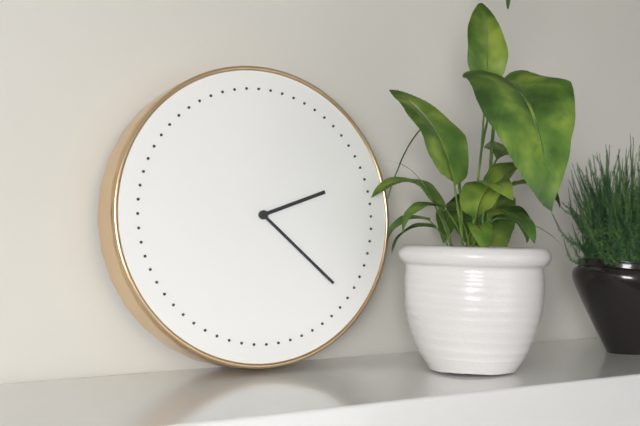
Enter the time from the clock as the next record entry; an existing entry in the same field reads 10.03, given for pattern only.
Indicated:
2.22
